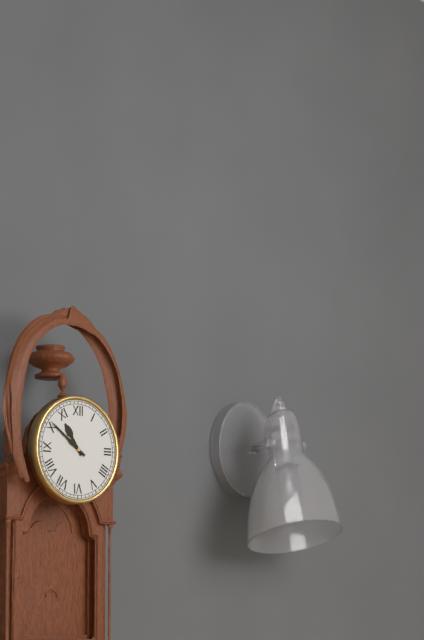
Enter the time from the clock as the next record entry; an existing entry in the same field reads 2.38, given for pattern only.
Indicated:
10.51
